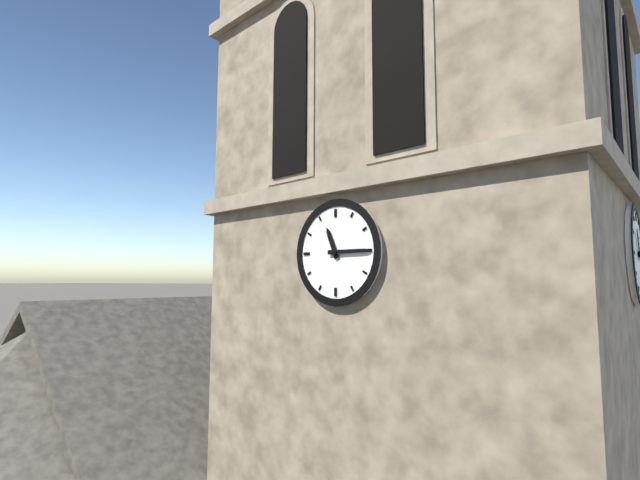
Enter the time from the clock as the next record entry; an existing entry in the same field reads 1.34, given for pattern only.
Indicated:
11.15
